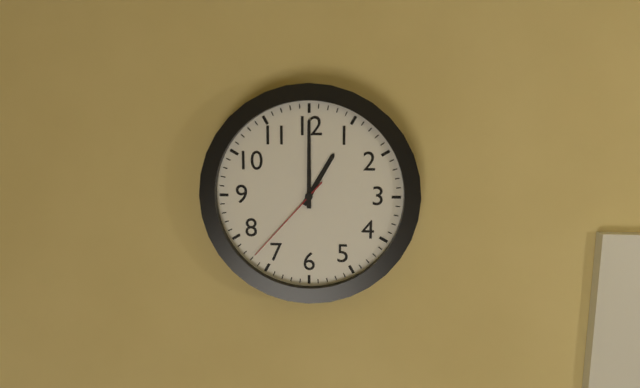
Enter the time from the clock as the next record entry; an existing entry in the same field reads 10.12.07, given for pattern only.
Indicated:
1.00.37
